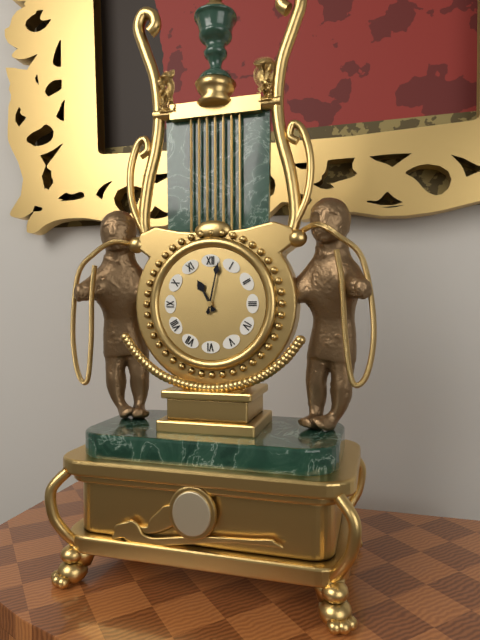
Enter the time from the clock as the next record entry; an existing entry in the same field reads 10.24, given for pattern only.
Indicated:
11.02
